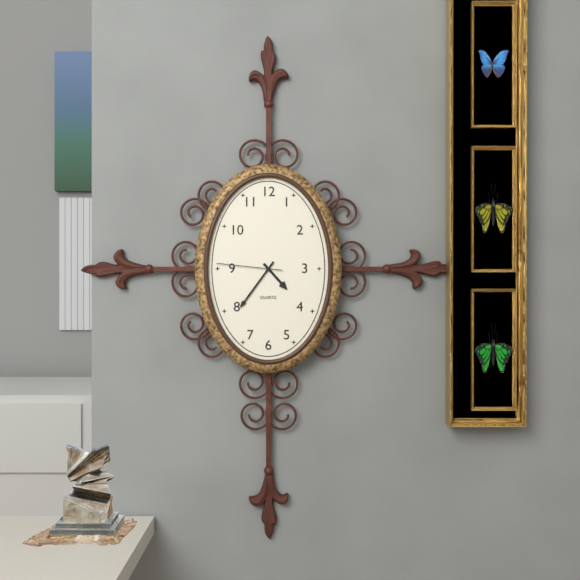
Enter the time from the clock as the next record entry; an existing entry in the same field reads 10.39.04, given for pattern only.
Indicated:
4.36.46
